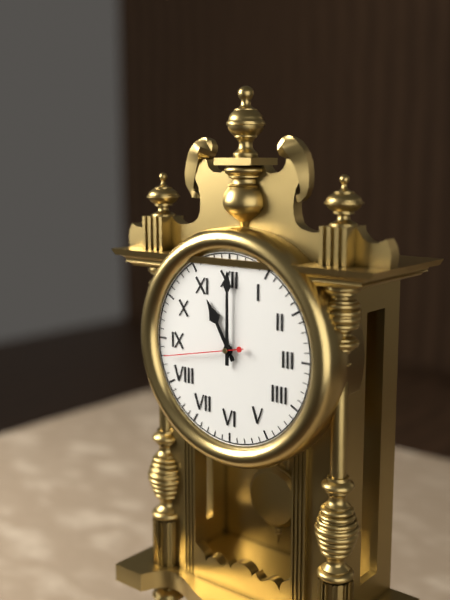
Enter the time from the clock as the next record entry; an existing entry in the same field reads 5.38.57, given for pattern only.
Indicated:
11.00.43
